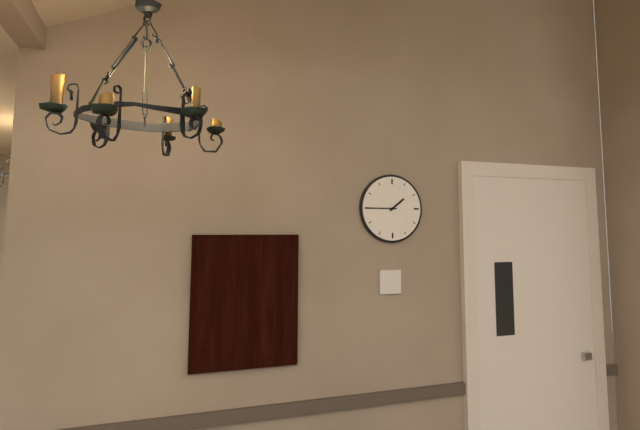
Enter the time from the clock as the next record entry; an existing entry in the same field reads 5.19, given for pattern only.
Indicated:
1.45
